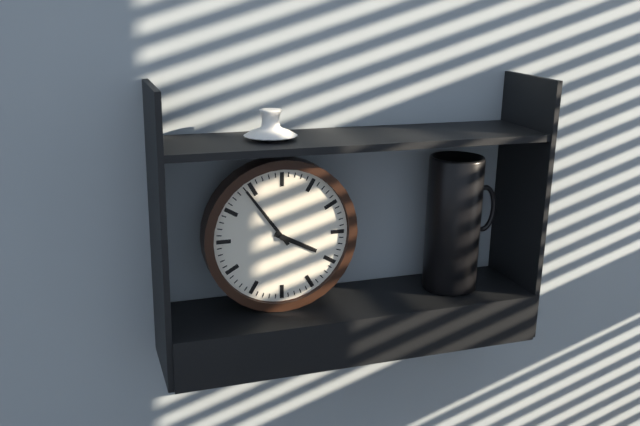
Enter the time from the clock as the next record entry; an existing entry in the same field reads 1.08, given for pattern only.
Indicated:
3.54
